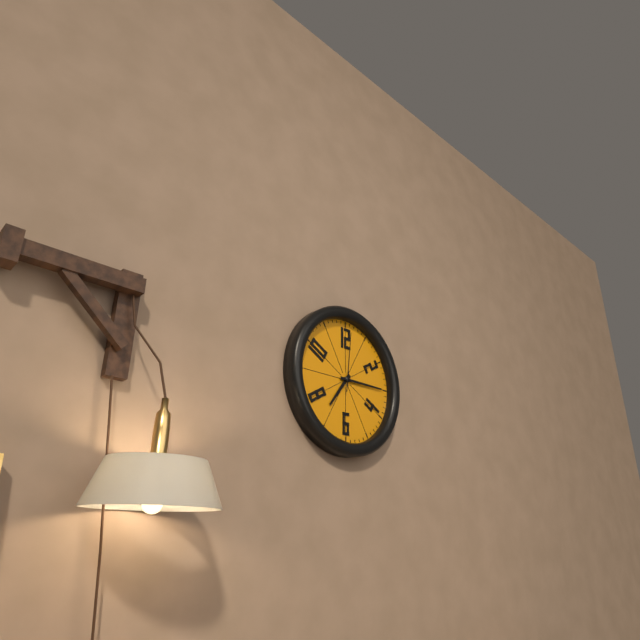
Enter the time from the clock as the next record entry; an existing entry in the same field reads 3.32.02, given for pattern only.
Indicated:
7.15.01
